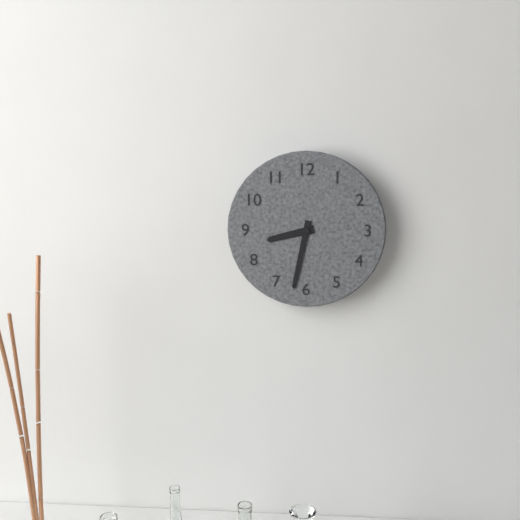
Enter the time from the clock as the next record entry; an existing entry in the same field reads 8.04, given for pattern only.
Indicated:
8.32
